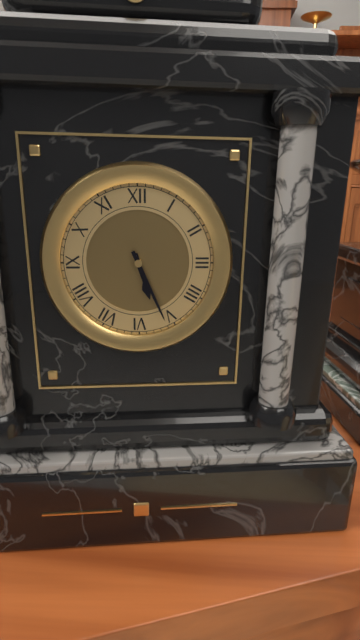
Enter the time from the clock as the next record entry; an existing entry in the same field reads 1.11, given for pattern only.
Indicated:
5.26
